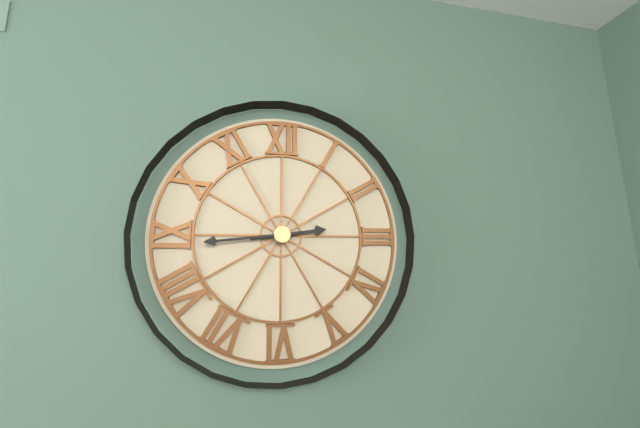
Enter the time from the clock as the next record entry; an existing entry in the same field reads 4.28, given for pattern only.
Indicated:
2.44
